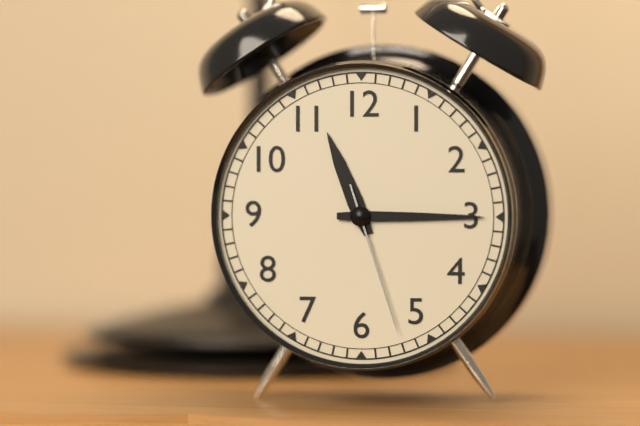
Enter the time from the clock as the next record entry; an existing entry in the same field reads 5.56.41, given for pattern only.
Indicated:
11.15.27
